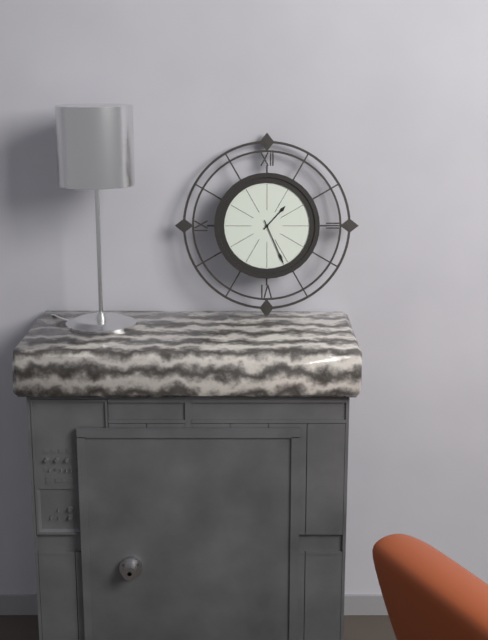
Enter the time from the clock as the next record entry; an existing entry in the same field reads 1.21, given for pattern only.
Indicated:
1.26
